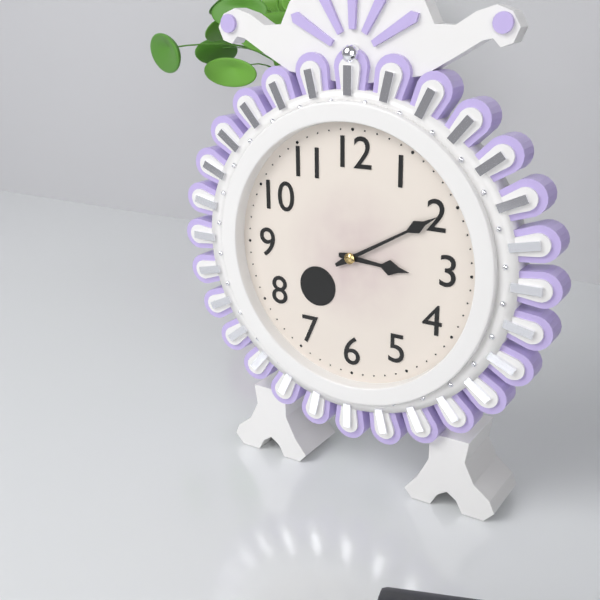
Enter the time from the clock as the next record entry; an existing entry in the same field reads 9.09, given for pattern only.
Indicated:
3.10
